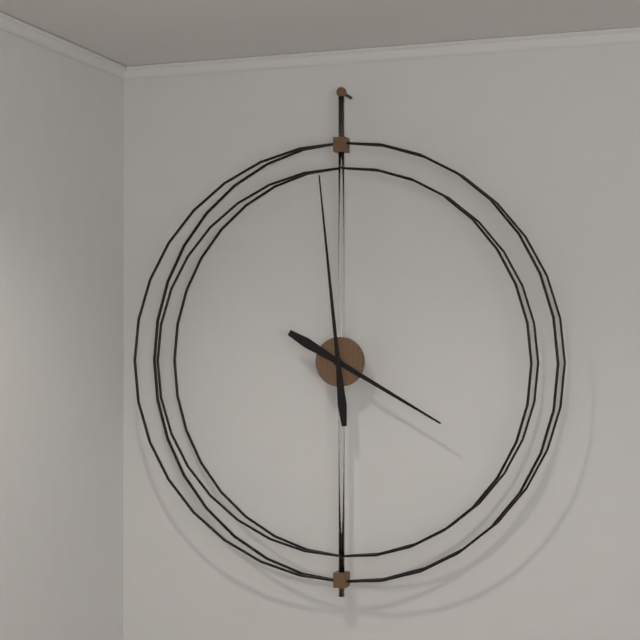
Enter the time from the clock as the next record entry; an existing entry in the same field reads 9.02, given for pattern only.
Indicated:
3.59
